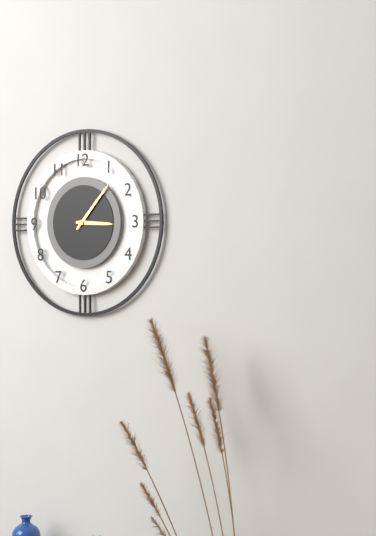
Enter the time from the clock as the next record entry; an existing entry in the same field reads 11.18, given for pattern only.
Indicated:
3.07
